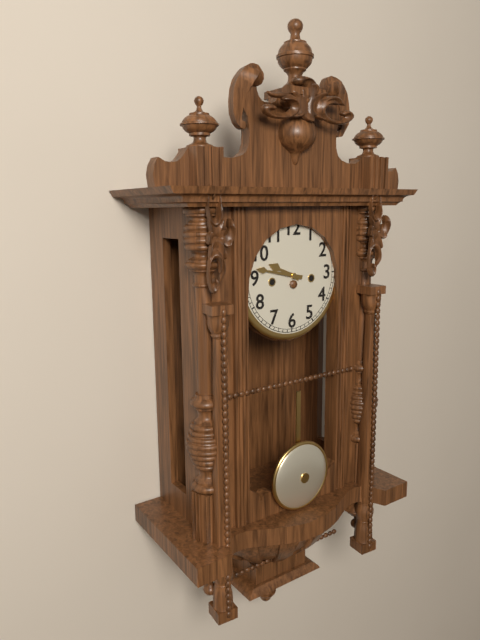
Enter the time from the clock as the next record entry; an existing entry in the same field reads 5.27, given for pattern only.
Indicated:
9.47
